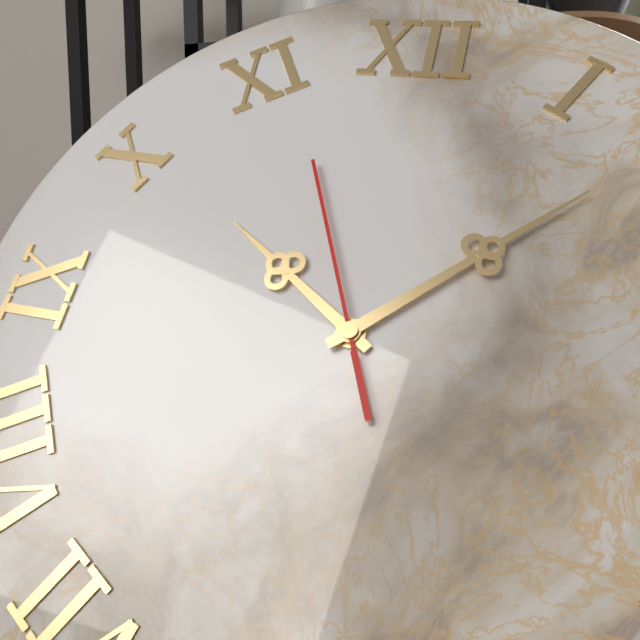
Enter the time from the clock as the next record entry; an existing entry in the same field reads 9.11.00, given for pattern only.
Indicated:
10.08.56
